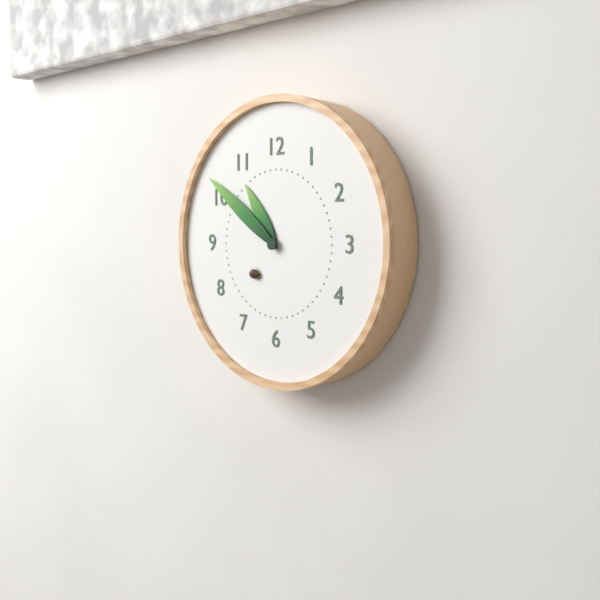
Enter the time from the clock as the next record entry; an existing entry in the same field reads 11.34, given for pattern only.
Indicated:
10.51
